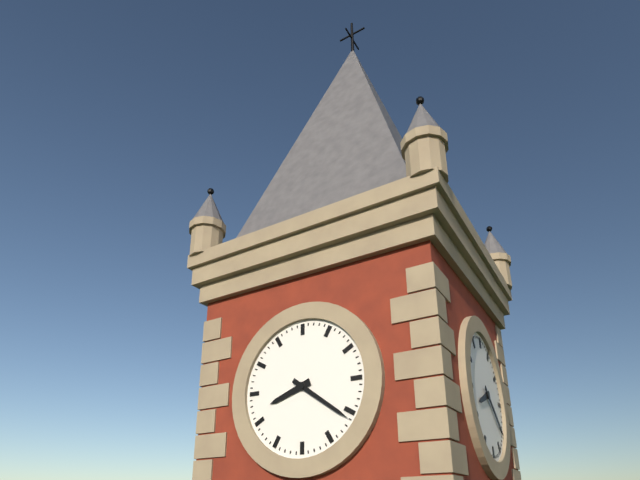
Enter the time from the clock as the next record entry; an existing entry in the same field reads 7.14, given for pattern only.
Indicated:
8.21
